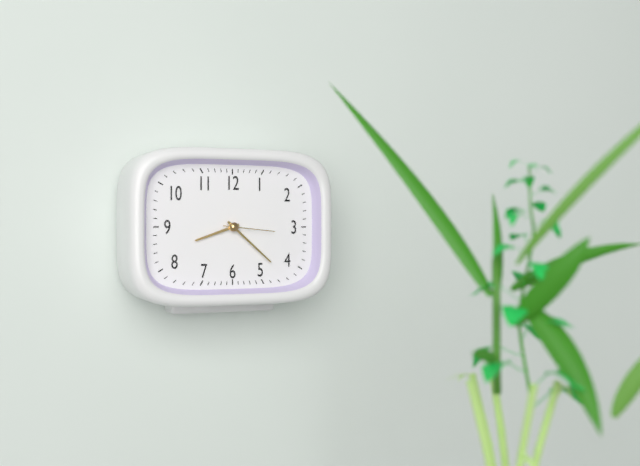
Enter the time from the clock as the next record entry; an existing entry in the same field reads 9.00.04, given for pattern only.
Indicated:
8.22.16
